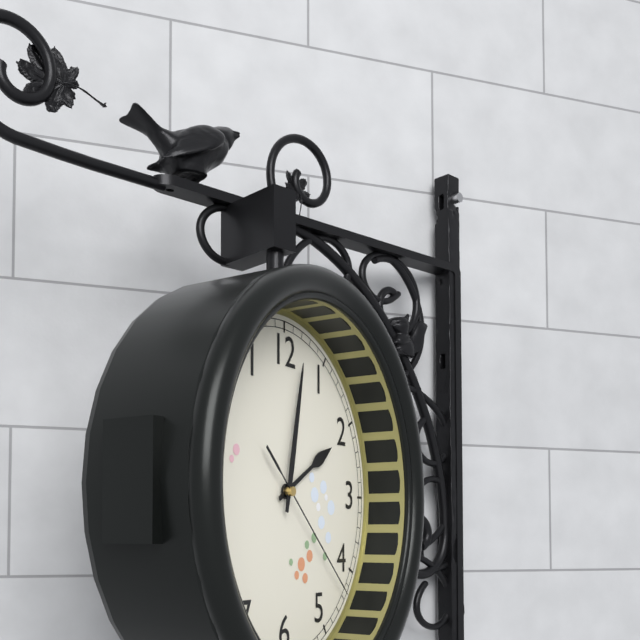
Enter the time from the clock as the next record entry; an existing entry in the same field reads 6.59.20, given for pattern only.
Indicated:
2.02.22
